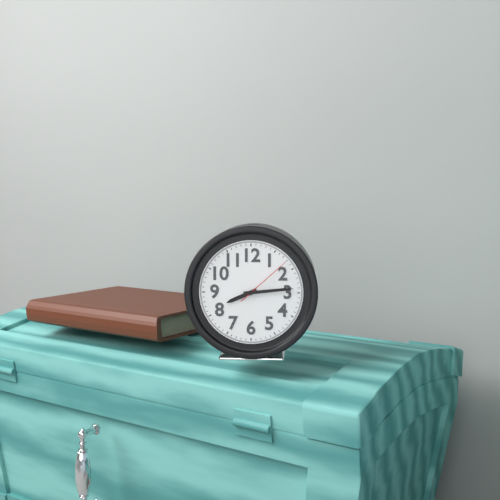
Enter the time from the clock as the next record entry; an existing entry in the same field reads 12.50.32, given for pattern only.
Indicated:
8.14.08
